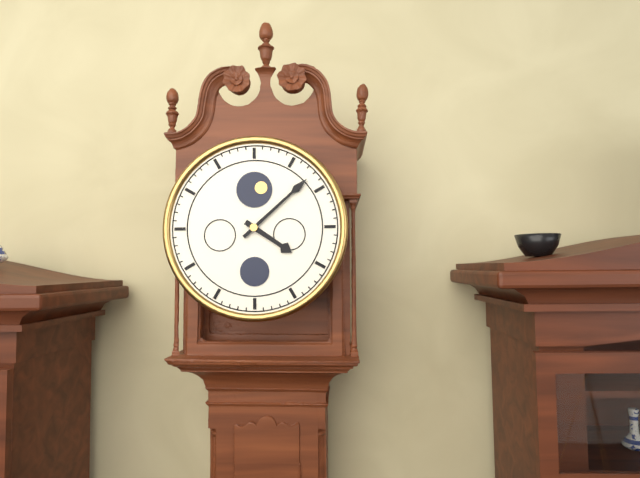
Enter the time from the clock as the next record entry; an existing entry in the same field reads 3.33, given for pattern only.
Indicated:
4.08
